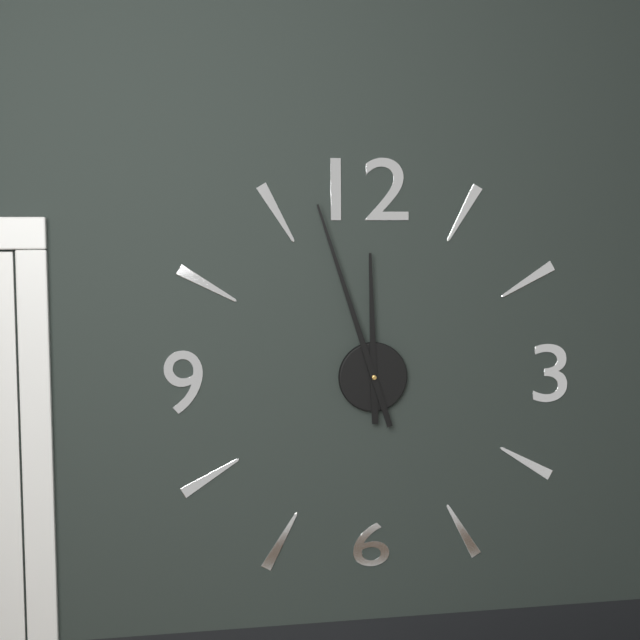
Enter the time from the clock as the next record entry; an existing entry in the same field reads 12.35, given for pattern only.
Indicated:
11.57
